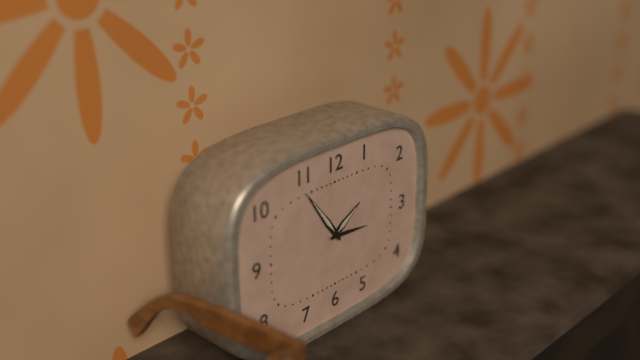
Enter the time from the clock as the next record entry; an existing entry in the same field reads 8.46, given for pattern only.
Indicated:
1.54
